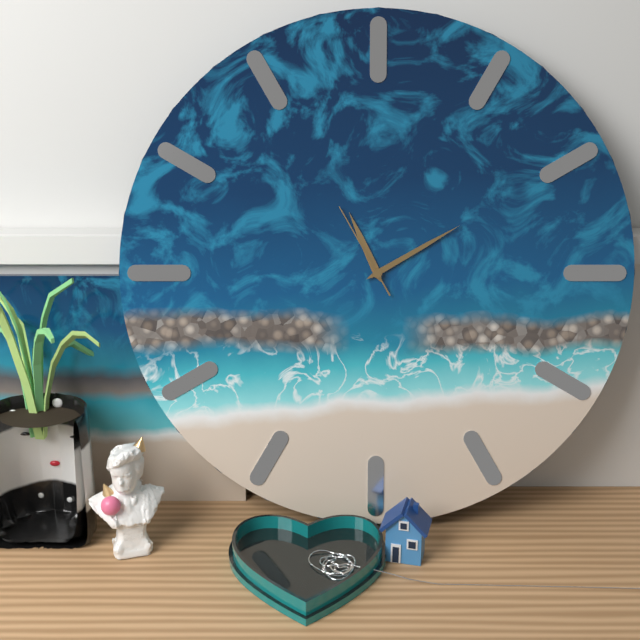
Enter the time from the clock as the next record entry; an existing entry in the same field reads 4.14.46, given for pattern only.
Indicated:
11.10.55
